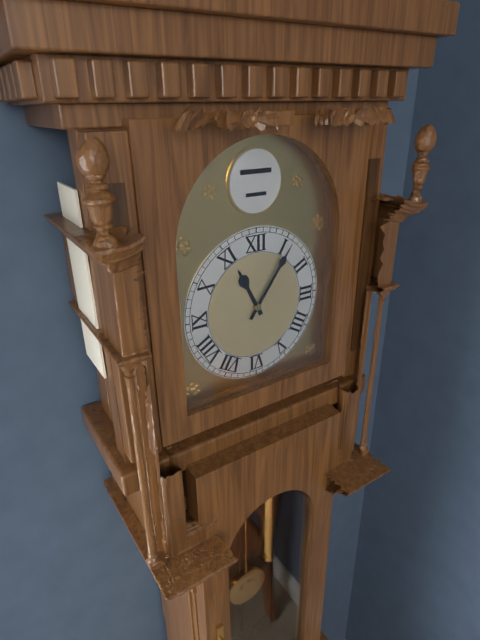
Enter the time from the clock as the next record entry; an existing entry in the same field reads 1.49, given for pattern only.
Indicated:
11.06
